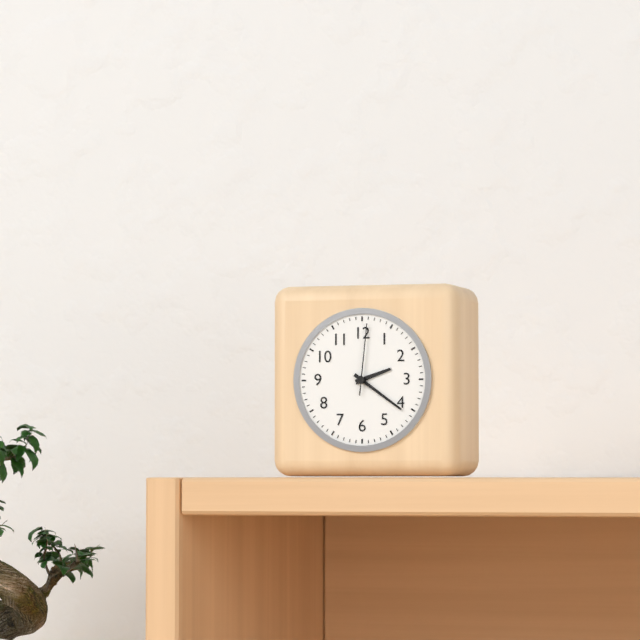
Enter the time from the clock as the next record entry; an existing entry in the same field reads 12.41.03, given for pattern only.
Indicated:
2.21.01
